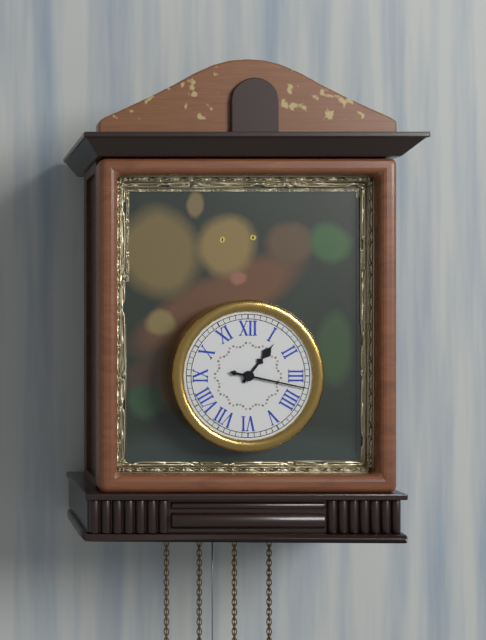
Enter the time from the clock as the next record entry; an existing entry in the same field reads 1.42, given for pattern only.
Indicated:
1.17
